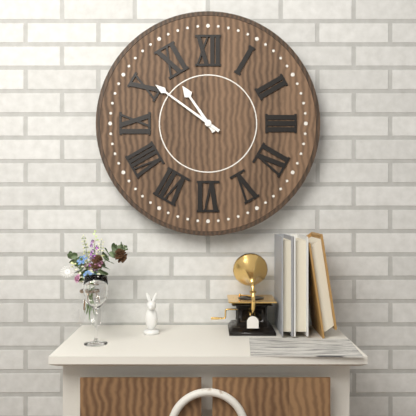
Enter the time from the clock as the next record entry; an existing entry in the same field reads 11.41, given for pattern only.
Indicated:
10.51
